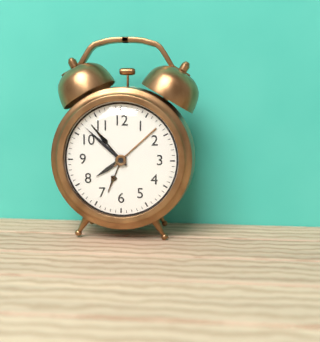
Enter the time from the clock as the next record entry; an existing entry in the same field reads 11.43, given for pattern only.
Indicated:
7.52
